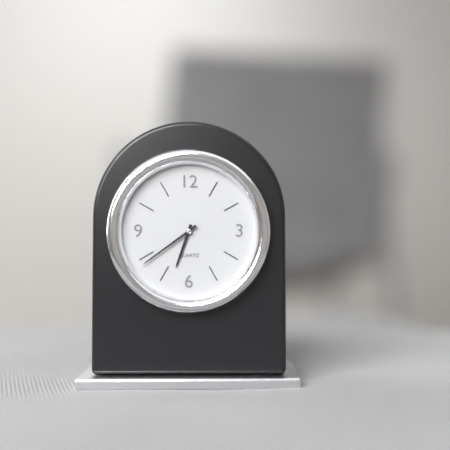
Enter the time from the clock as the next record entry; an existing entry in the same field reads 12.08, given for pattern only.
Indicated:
6.39
